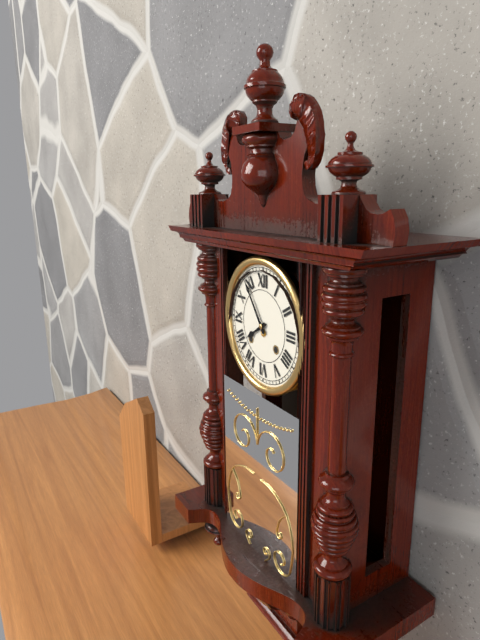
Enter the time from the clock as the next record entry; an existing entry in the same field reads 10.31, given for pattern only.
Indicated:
7.54
